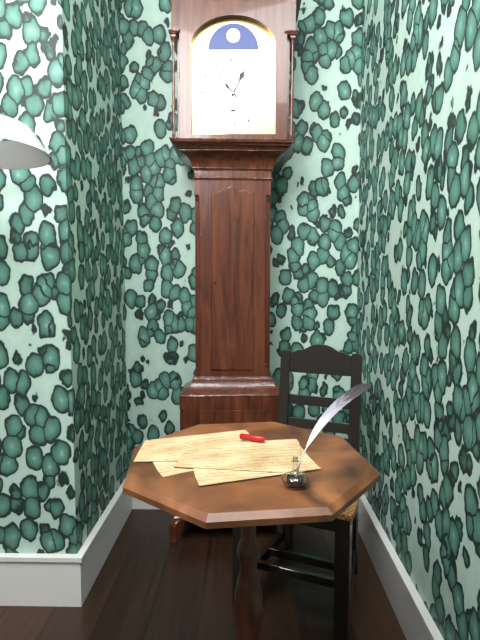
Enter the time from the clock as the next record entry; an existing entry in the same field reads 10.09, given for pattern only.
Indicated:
12.53
